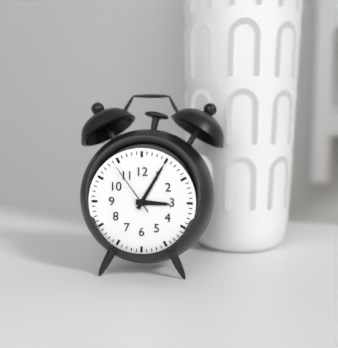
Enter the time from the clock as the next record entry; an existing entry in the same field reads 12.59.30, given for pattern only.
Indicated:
3.05.54
